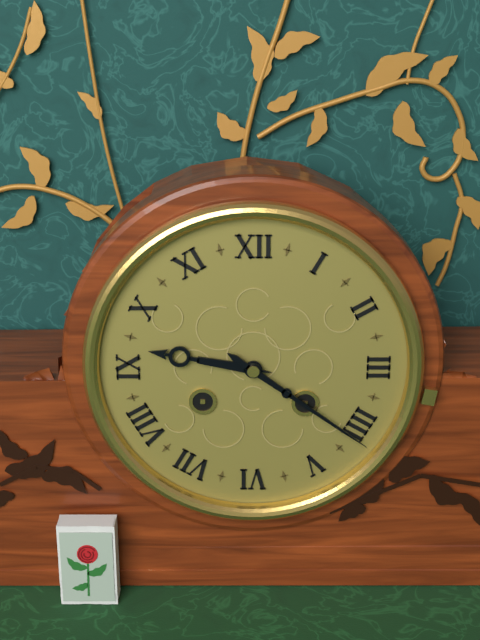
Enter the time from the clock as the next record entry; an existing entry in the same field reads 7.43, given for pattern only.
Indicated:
9.21
